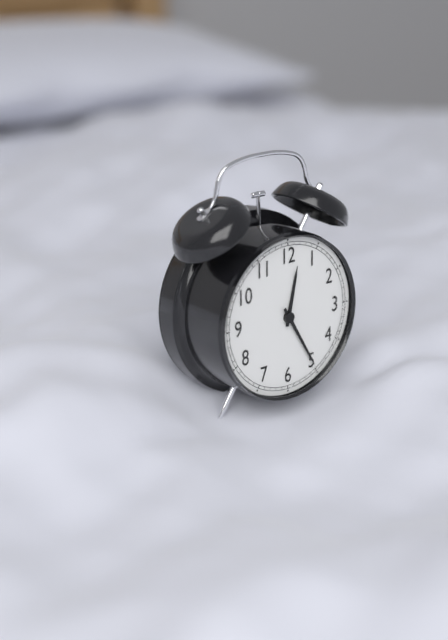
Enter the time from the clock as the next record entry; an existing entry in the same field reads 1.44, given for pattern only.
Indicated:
12.25
